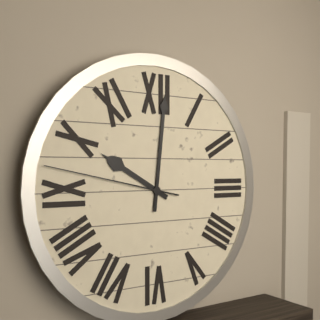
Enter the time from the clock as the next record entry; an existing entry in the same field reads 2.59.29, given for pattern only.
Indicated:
10.01.47
